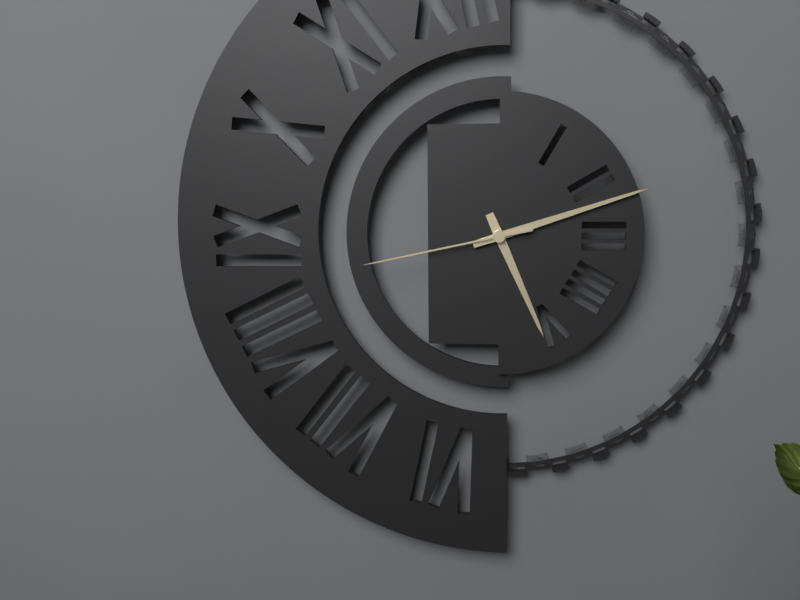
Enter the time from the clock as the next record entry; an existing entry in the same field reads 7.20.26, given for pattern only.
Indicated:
5.12.43
